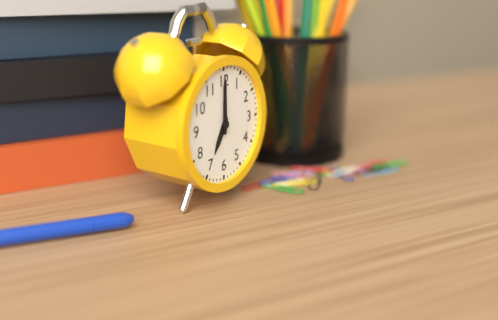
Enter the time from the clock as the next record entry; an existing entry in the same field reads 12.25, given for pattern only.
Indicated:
7.00
